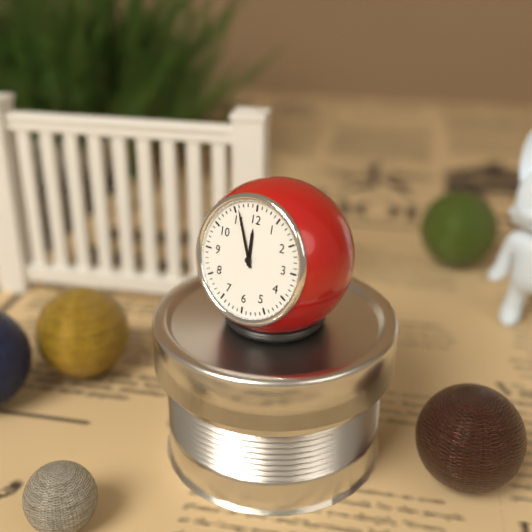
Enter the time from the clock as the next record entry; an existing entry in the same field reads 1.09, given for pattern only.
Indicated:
11.56
